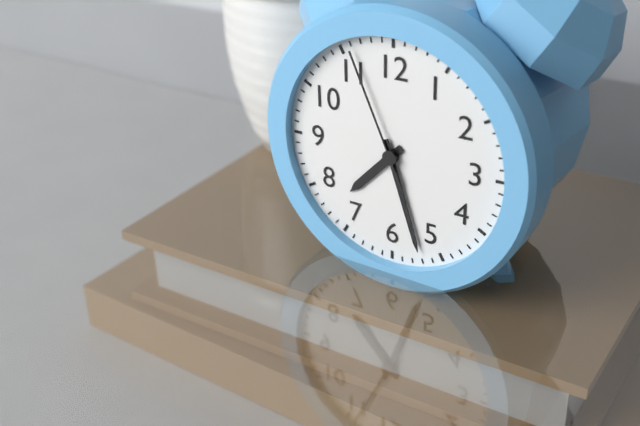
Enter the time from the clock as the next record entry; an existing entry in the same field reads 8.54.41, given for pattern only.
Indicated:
7.27.56
